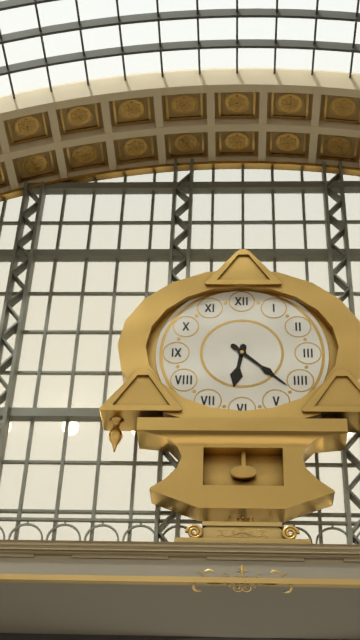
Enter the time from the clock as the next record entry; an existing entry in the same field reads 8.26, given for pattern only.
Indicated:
6.22
